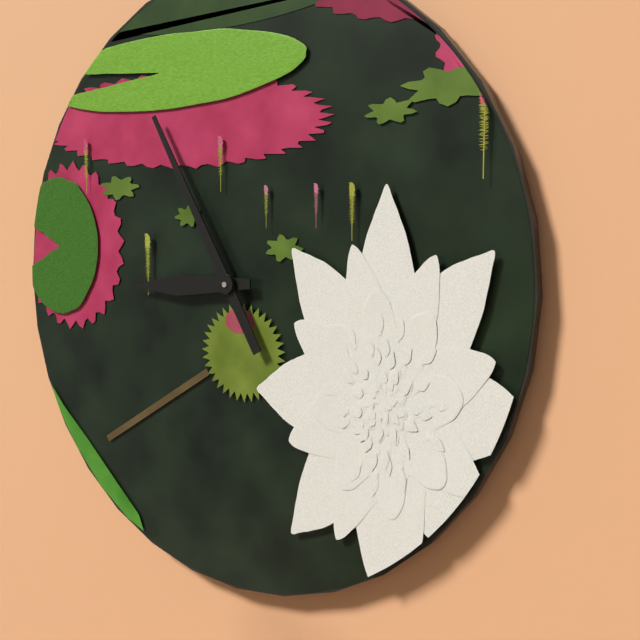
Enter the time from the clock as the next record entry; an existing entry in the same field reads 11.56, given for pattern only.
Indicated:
8.55
